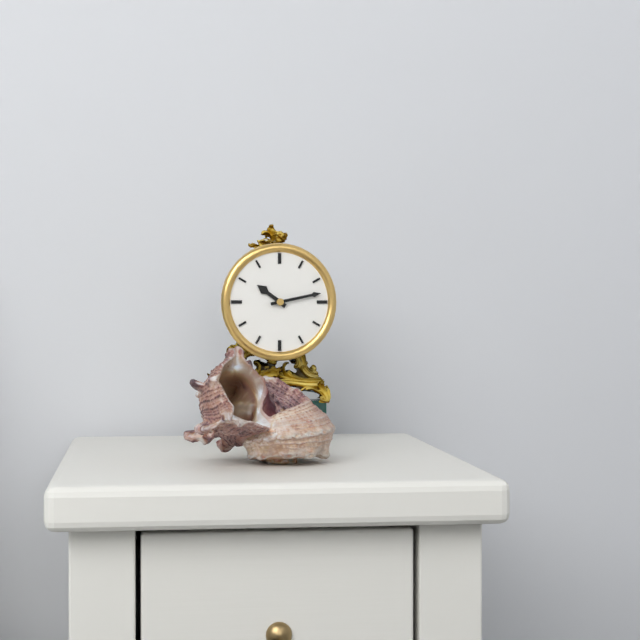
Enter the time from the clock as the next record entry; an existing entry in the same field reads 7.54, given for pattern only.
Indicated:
10.13
